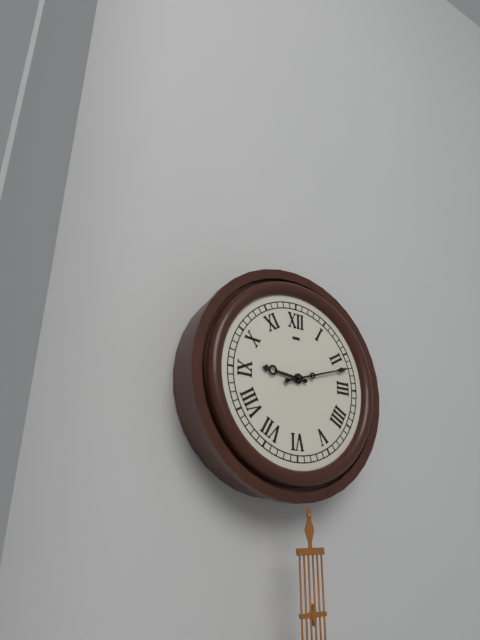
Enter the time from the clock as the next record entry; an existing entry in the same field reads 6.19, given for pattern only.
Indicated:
9.12
